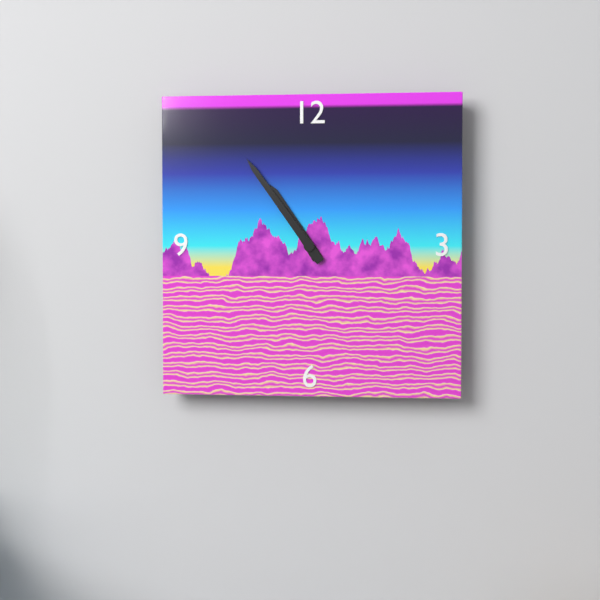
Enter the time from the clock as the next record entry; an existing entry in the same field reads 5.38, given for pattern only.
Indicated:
10.54
